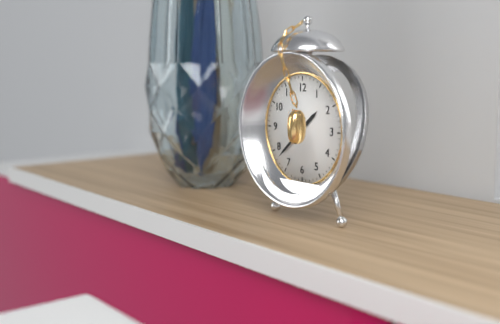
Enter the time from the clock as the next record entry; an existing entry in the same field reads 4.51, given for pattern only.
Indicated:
1.38
